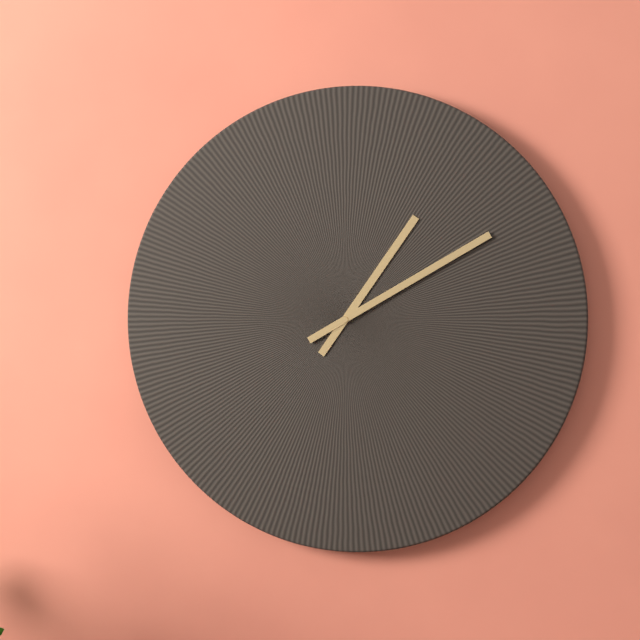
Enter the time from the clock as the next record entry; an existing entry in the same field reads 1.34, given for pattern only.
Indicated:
1.10
